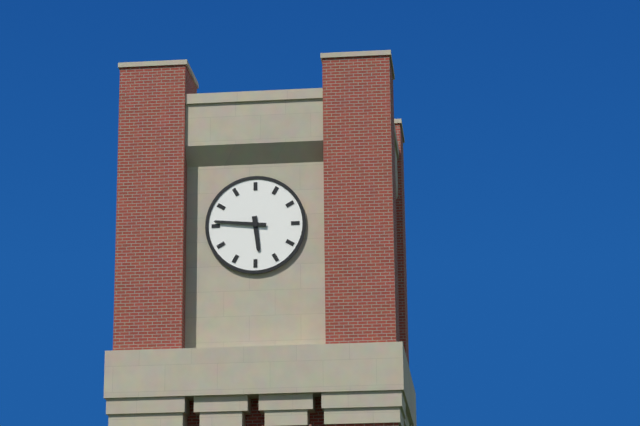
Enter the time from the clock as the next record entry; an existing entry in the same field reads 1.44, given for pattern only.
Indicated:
5.46
